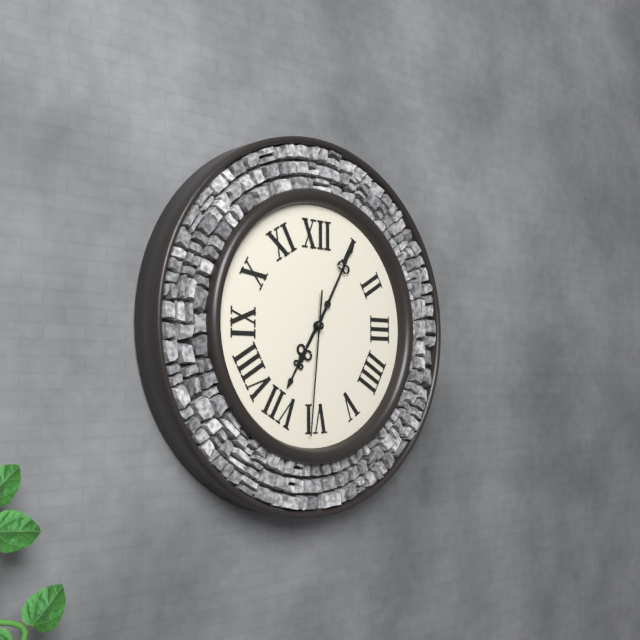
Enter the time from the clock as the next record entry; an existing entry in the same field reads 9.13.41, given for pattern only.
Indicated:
7.05.31
